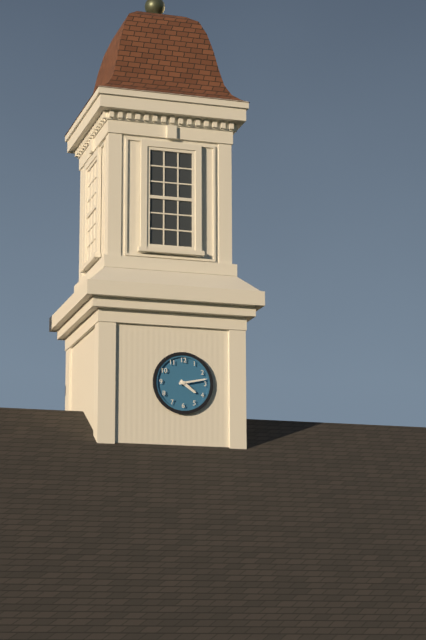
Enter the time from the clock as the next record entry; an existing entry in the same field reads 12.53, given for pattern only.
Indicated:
4.13
